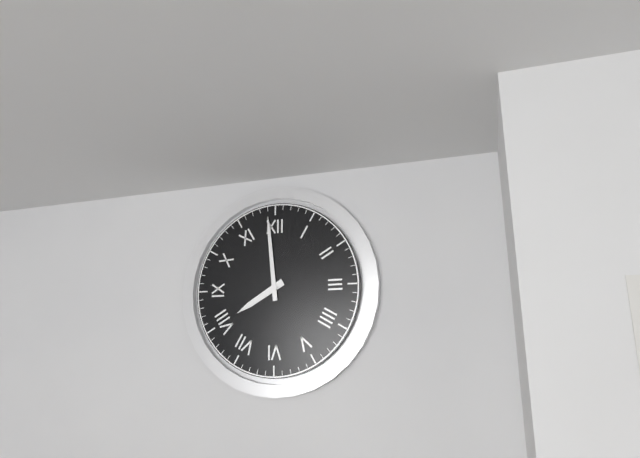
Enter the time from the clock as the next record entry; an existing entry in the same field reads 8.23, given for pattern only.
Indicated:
7.59
